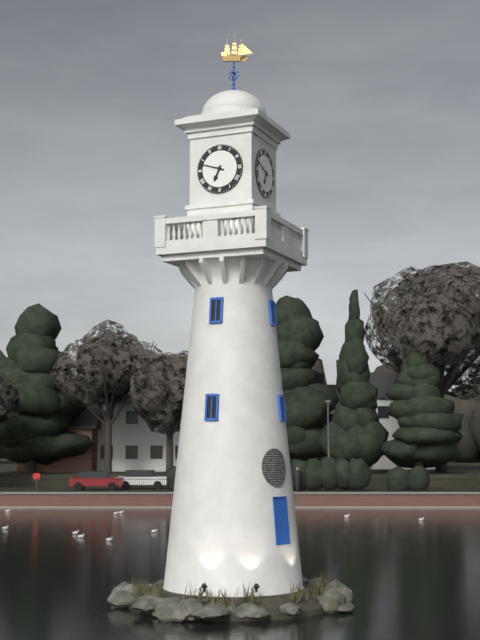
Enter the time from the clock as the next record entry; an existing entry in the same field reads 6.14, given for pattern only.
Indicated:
6.48
